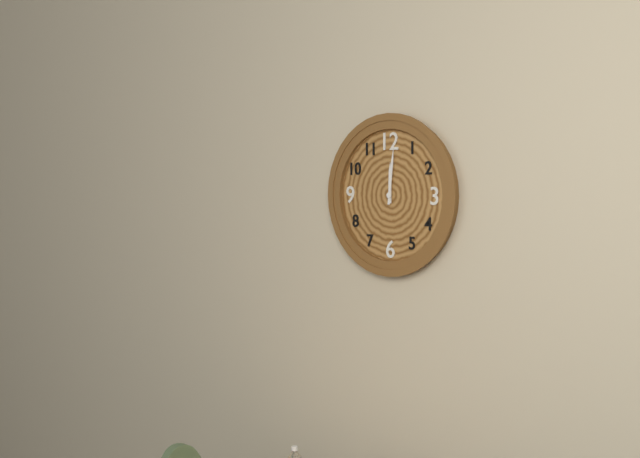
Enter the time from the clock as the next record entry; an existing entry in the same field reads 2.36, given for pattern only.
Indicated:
12.01
